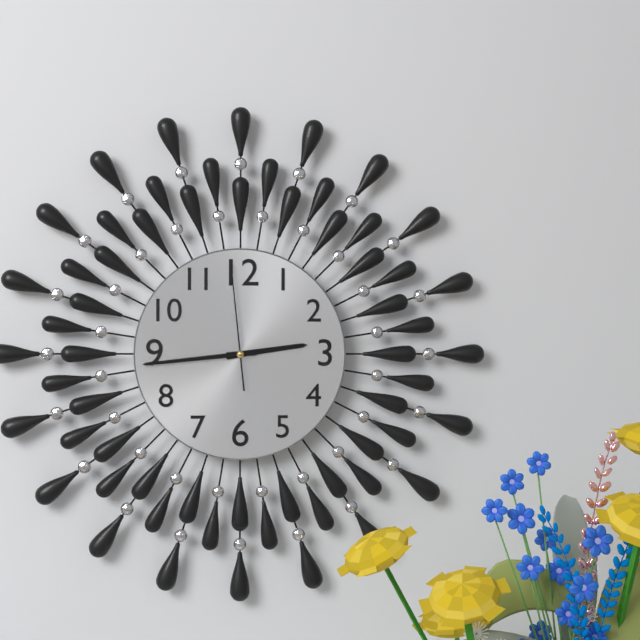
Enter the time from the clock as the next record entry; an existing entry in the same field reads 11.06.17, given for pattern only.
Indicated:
2.44.59
